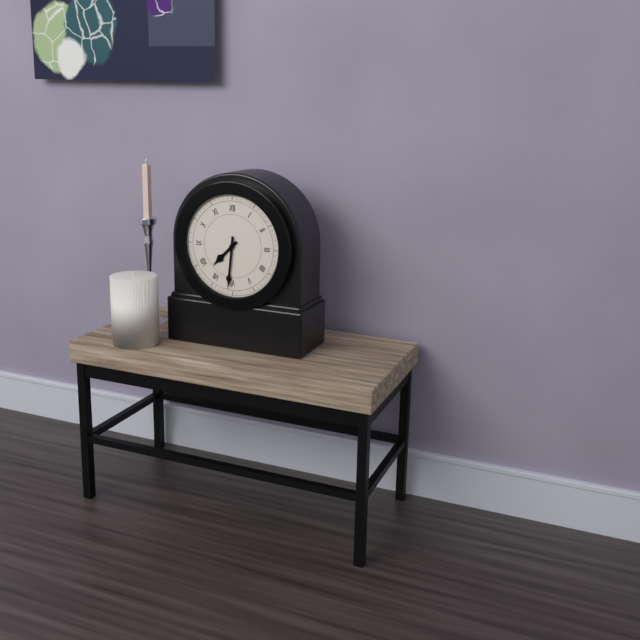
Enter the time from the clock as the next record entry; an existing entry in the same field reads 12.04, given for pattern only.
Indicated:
7.31
